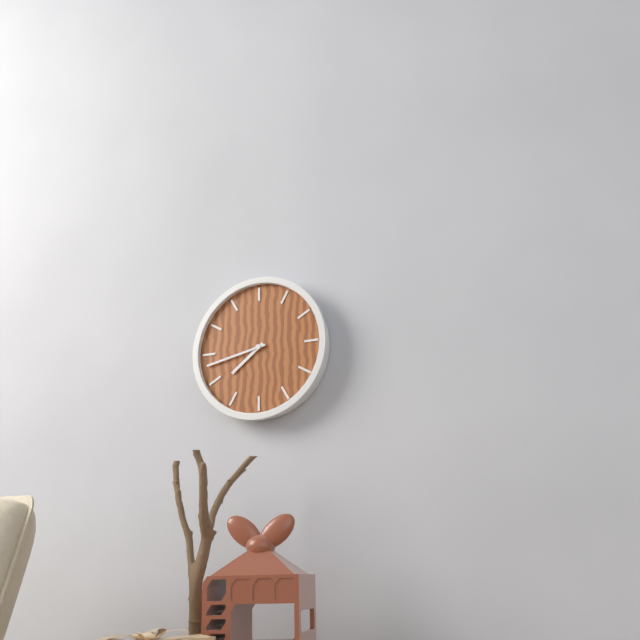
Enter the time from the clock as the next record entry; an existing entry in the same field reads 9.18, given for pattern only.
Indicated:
7.43
